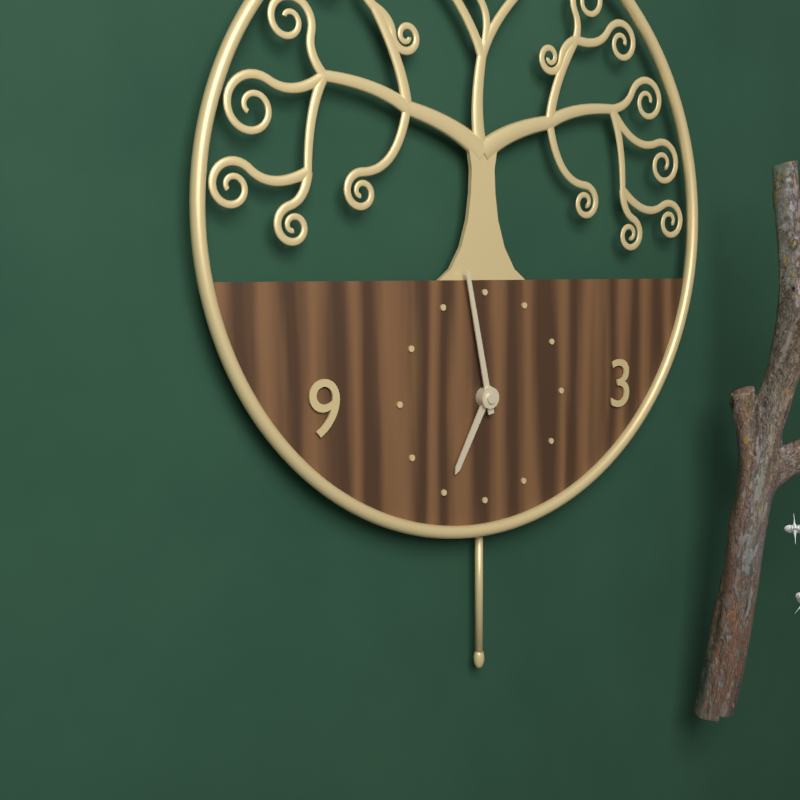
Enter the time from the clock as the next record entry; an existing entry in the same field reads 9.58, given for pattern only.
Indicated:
6.58
